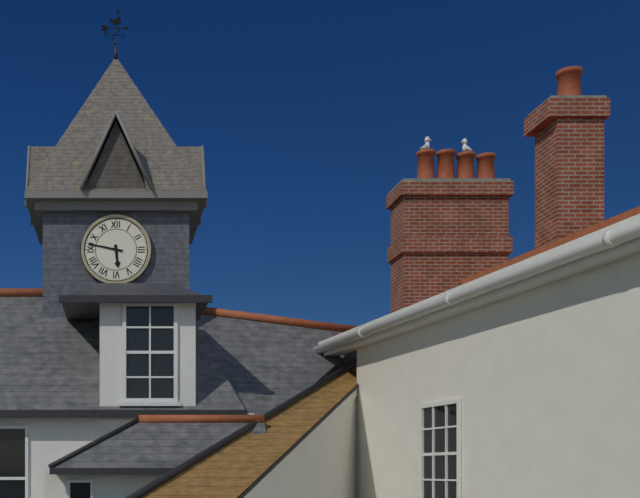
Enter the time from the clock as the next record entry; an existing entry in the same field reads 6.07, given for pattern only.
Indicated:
5.47
